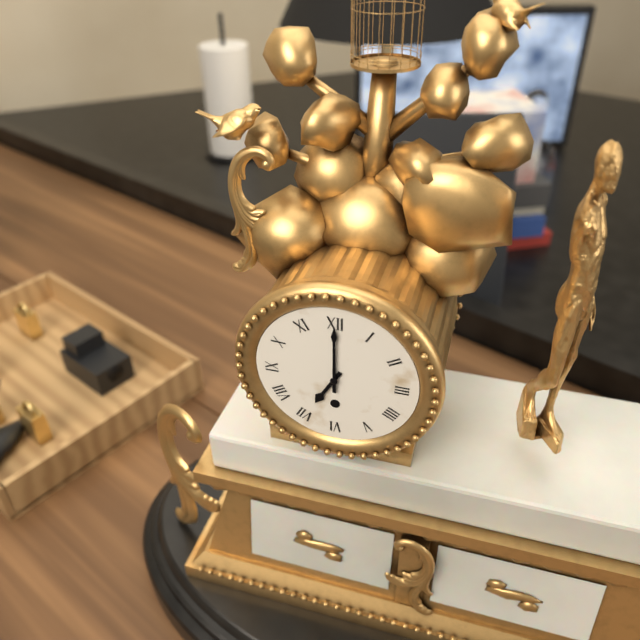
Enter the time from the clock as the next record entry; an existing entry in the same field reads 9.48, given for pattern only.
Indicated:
7.00
